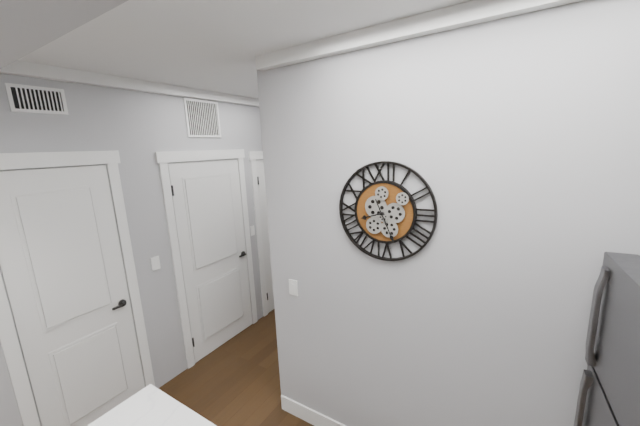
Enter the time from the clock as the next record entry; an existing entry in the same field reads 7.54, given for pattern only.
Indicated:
8.26
